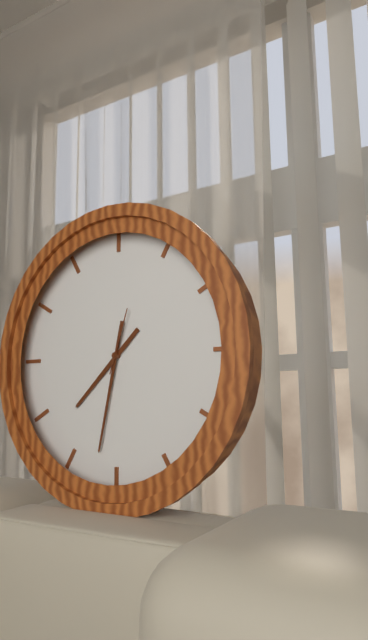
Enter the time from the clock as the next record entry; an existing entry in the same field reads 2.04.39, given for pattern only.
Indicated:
7.32.03
